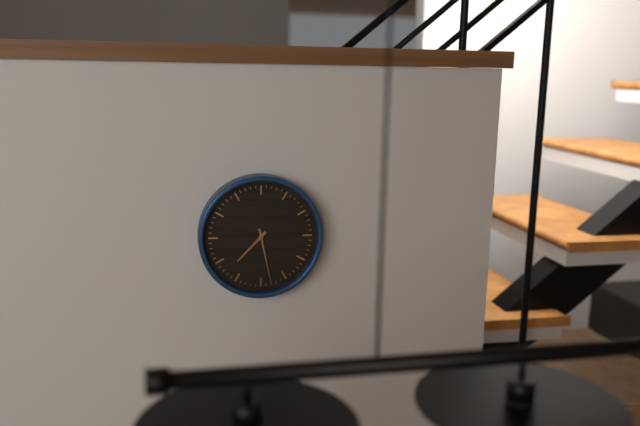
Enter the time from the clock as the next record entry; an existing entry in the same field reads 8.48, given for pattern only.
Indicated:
7.28
